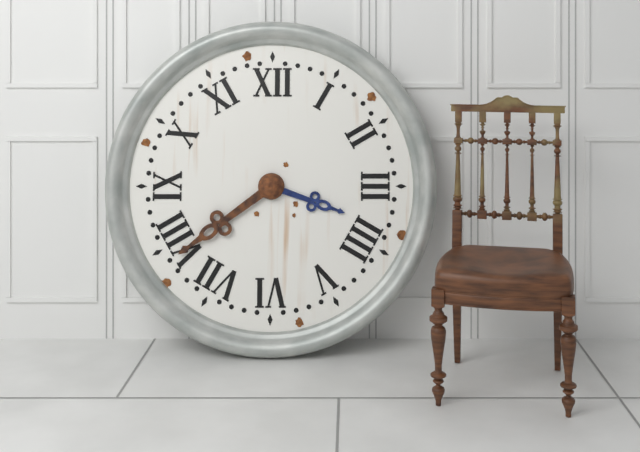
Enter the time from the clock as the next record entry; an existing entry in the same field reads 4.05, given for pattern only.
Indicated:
3.39
